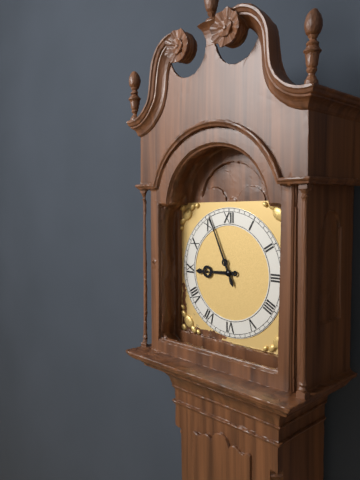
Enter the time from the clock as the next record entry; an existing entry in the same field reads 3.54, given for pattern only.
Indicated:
8.56
